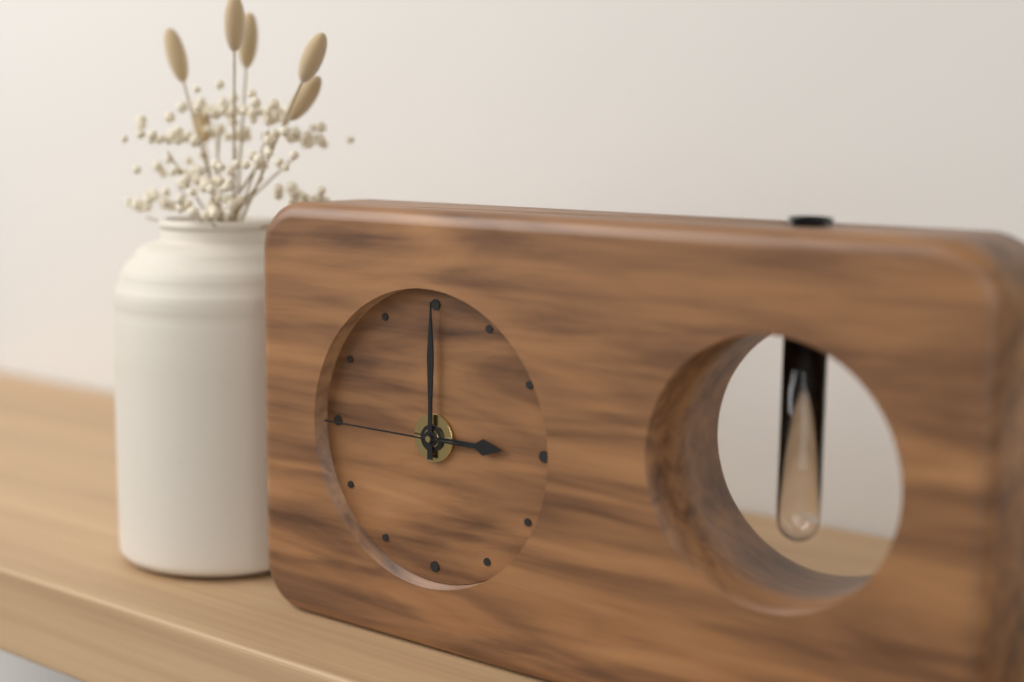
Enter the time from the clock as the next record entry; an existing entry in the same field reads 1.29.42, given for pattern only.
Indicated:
3.00.45
